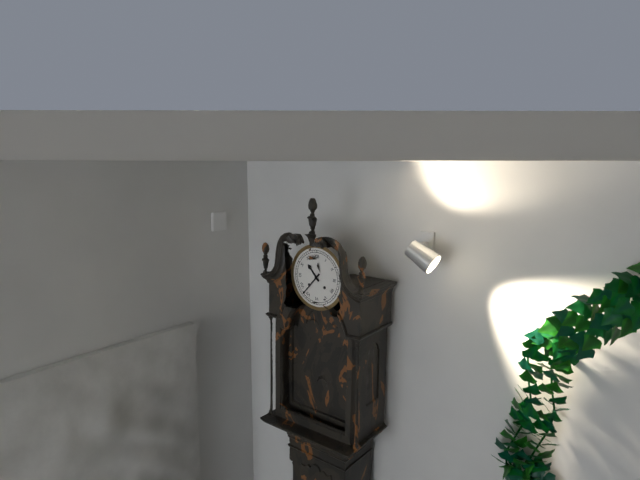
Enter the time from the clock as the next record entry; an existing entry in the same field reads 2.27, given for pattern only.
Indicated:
10.37
